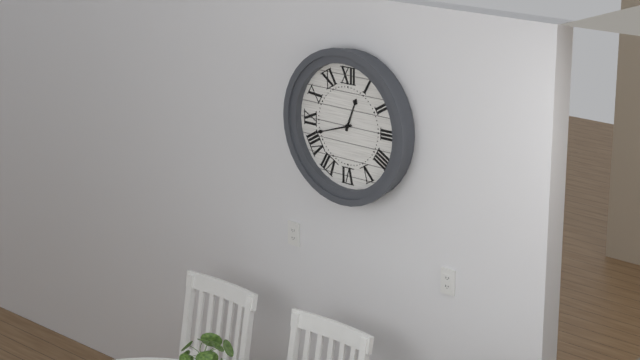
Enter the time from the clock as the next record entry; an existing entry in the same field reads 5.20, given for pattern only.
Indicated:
12.42
